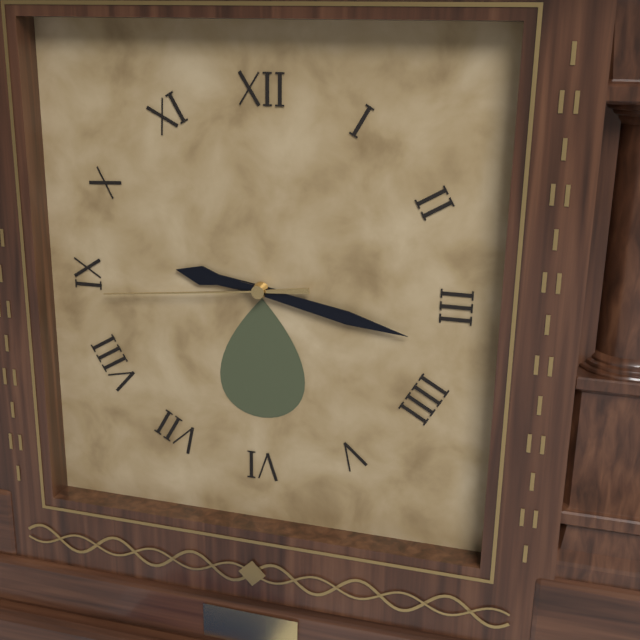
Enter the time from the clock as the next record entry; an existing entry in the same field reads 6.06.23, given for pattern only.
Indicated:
9.17.44
